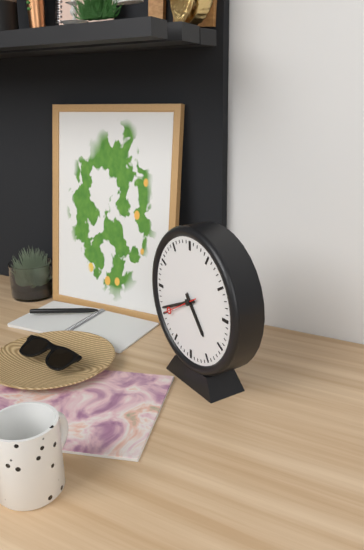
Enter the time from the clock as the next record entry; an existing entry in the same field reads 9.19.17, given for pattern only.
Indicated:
4.41.40
